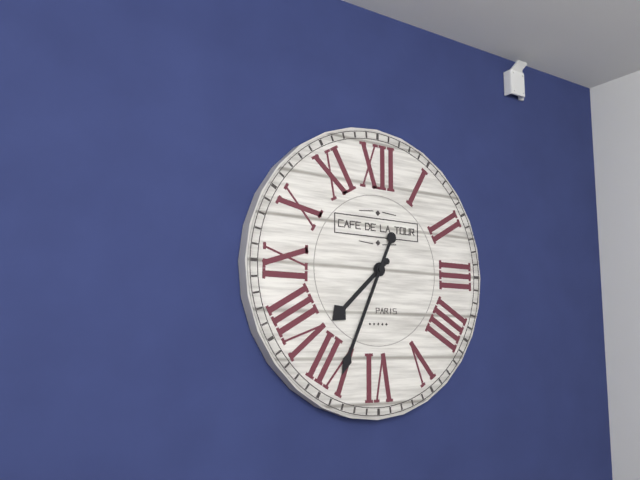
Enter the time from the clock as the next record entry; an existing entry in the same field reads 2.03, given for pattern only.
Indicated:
7.34
